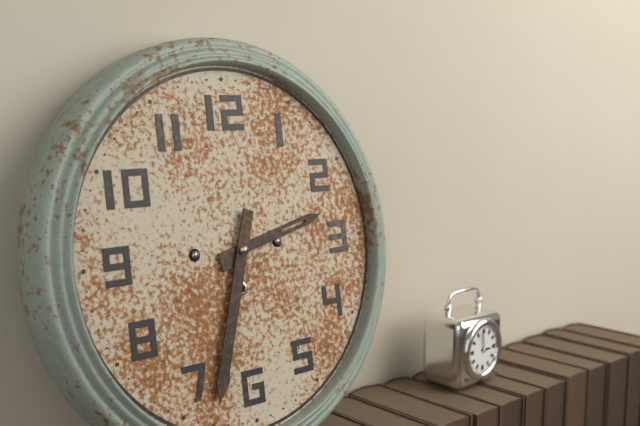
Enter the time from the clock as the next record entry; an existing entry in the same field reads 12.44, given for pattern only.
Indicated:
2.33
